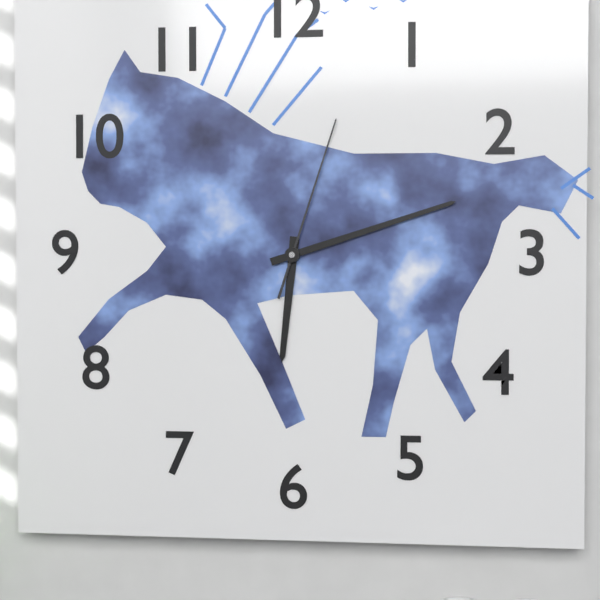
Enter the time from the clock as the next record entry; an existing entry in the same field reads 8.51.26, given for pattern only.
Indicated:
6.12.03
